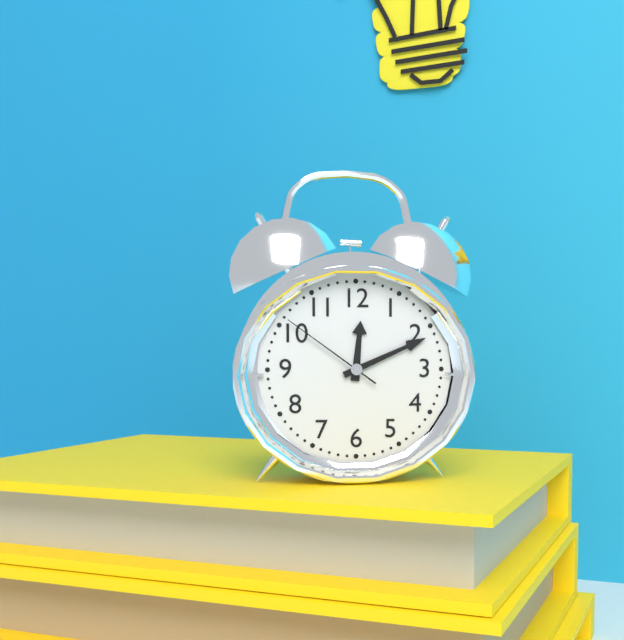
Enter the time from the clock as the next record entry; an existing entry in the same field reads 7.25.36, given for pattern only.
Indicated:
12.11.51
